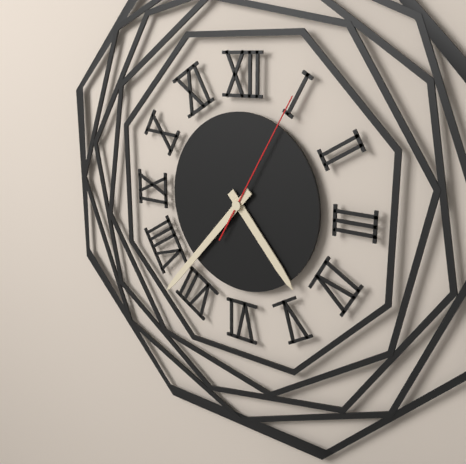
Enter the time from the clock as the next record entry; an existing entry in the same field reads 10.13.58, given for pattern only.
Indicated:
4.37.05
